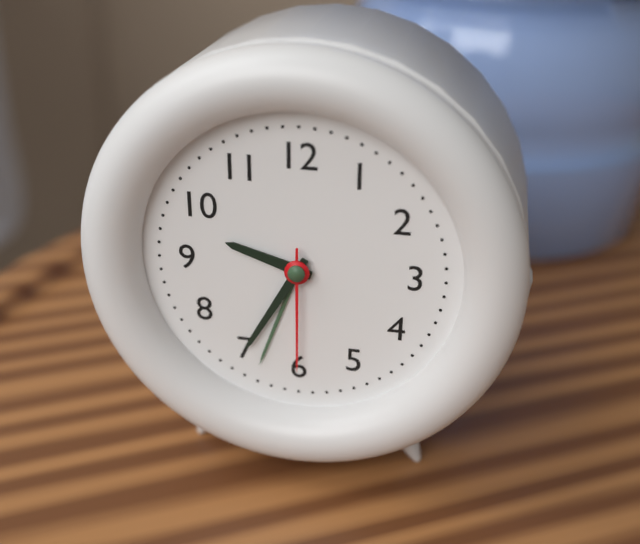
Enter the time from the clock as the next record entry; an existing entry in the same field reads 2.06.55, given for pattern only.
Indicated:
9.35.30
